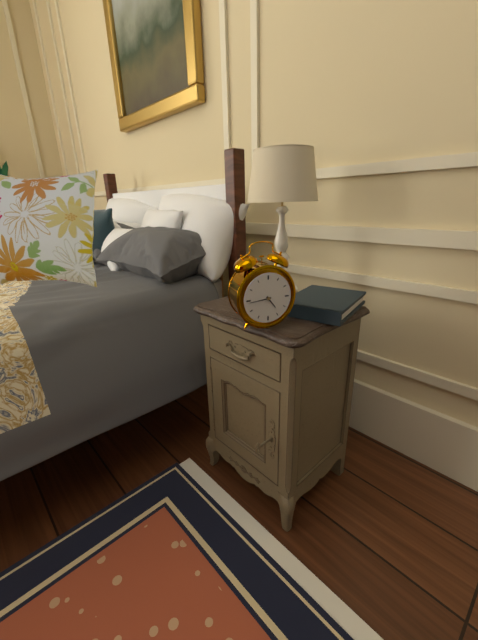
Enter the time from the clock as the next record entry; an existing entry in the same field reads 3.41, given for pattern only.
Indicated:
4.44
